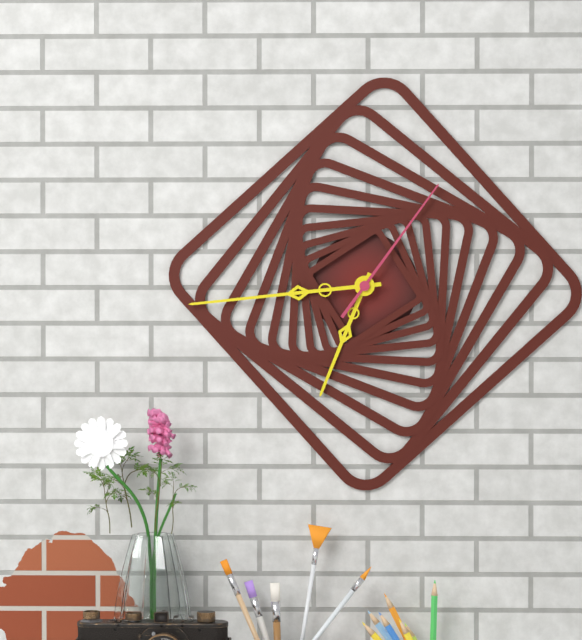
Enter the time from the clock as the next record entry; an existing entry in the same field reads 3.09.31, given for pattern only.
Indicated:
6.44.06
